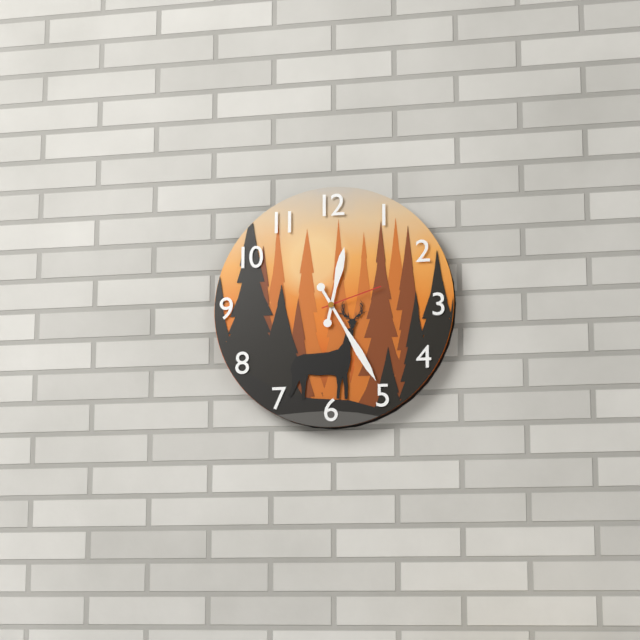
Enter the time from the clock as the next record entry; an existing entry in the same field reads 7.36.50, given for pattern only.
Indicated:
12.25.12
